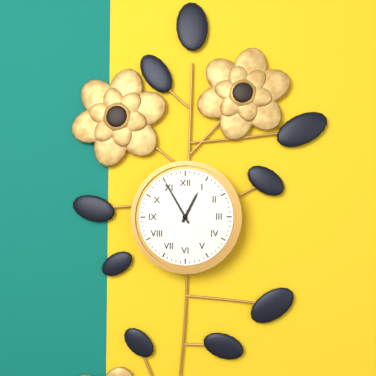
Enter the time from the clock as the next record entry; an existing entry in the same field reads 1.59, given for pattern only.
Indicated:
12.55
